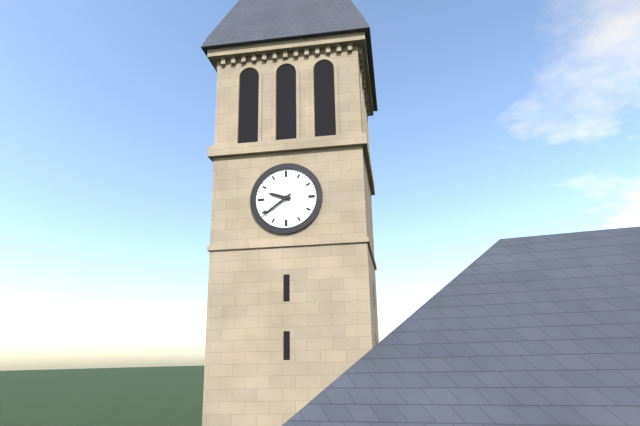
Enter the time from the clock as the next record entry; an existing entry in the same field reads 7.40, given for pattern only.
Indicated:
9.39
